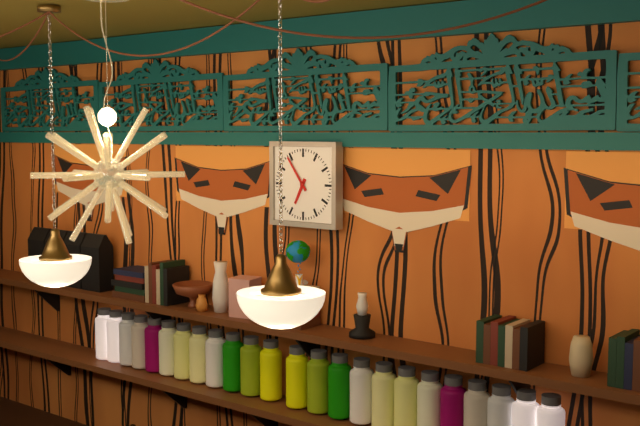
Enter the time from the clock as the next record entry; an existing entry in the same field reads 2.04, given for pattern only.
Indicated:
6.54
